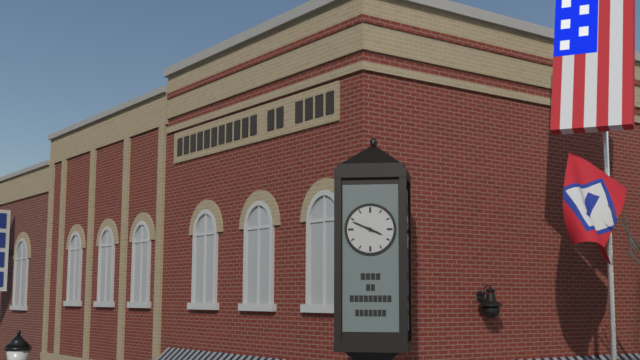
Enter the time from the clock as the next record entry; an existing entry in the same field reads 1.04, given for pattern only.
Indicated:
3.49
